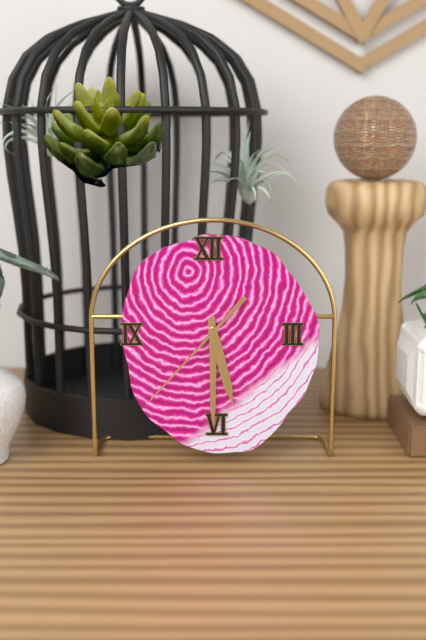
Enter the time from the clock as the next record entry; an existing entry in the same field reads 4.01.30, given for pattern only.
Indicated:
5.30.37
